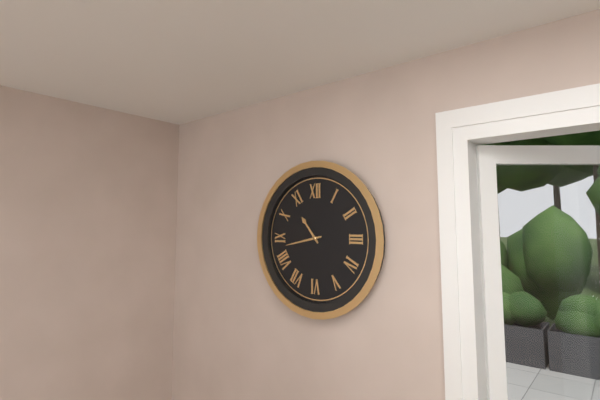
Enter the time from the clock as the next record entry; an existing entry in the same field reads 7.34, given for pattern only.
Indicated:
10.43
